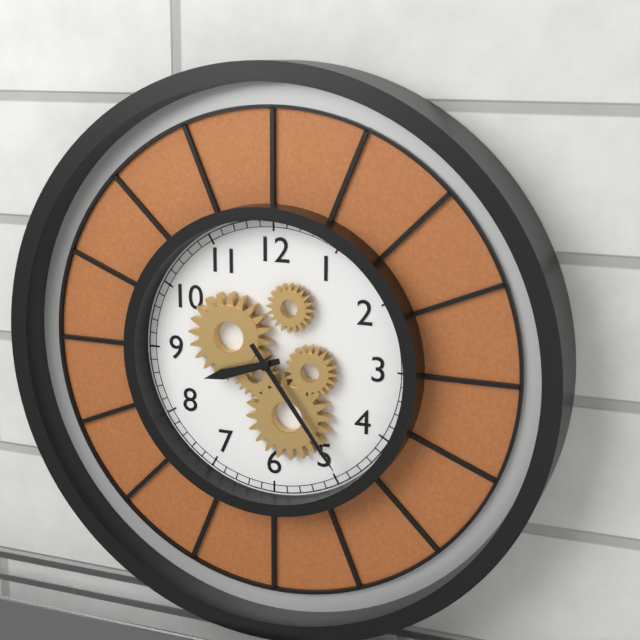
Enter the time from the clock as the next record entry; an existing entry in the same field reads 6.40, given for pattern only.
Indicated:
8.24
